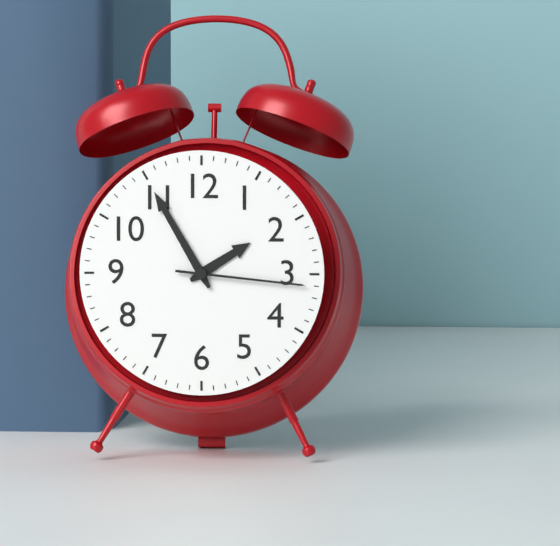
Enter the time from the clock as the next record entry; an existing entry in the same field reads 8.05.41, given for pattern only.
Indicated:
1.55.16
